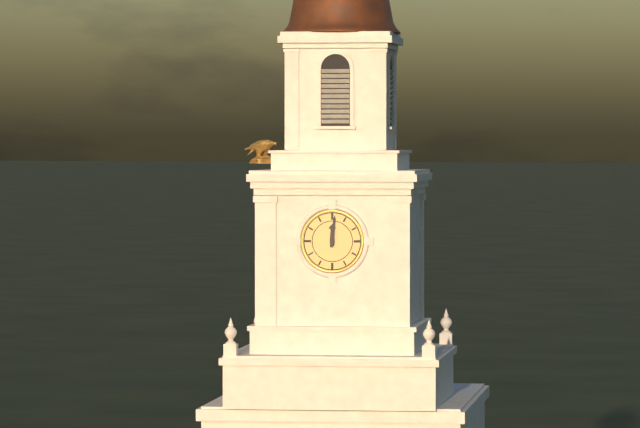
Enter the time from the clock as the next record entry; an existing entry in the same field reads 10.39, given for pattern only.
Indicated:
12.01
